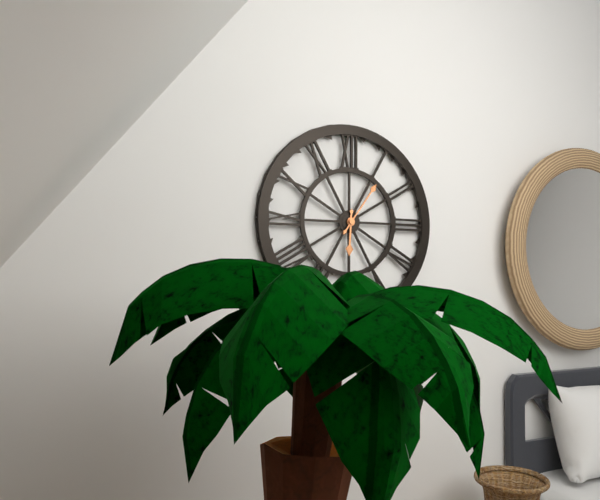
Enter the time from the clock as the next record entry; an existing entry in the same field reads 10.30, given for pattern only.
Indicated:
6.06
